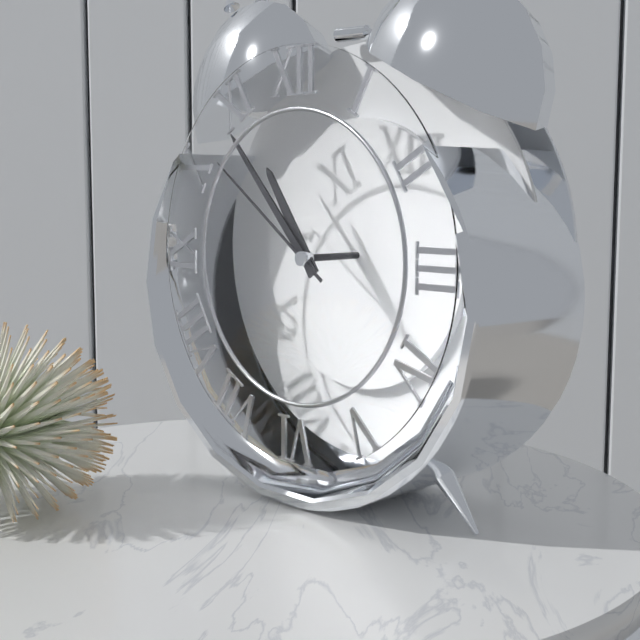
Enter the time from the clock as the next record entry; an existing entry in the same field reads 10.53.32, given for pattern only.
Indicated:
10.53.51
